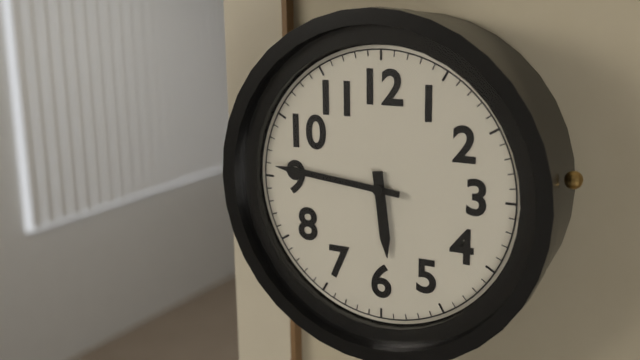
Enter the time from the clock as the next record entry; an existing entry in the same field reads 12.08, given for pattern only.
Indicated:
5.46
